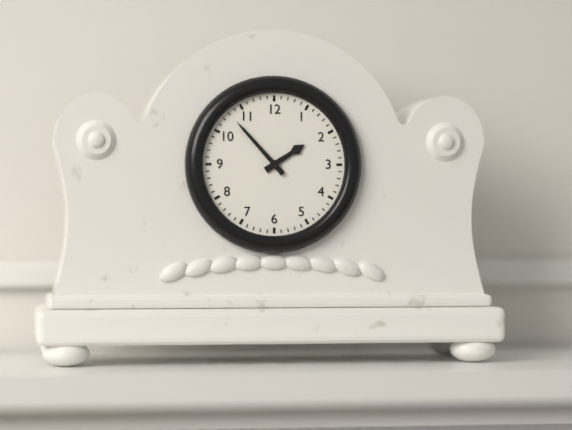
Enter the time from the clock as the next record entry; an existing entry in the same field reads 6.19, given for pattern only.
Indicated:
1.53
